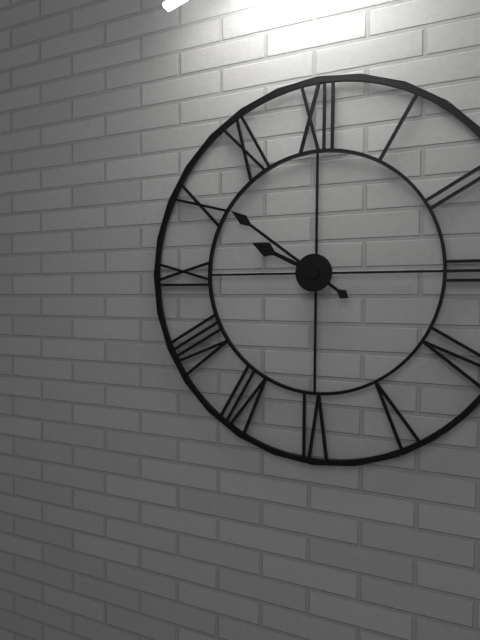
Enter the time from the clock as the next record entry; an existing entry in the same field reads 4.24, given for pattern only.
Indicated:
9.51
